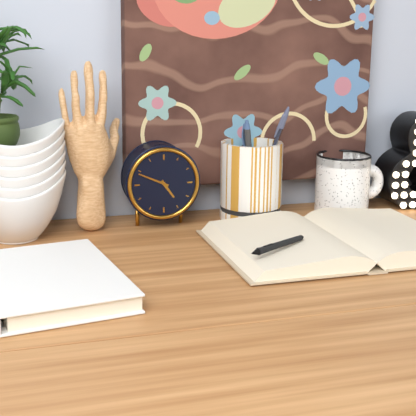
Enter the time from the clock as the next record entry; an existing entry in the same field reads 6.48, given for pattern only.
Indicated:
4.49
